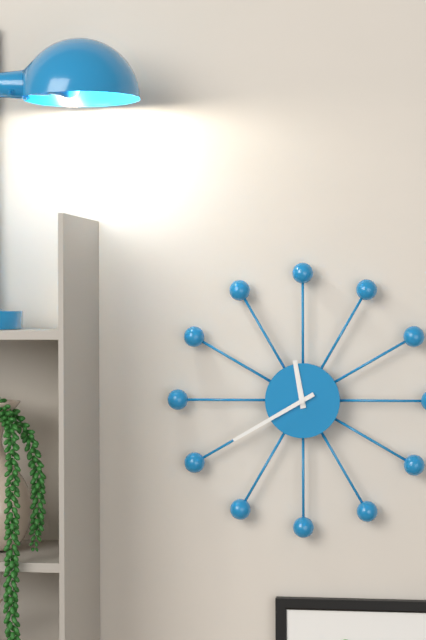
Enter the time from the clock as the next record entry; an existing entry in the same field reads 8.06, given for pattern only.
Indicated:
11.40
